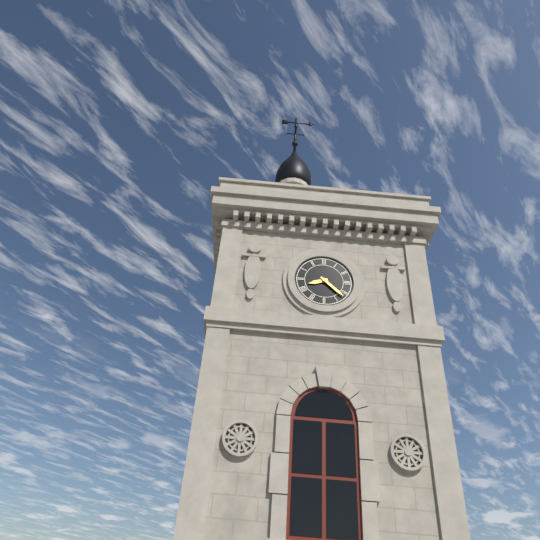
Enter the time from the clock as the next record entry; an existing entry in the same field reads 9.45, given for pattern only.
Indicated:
8.22
